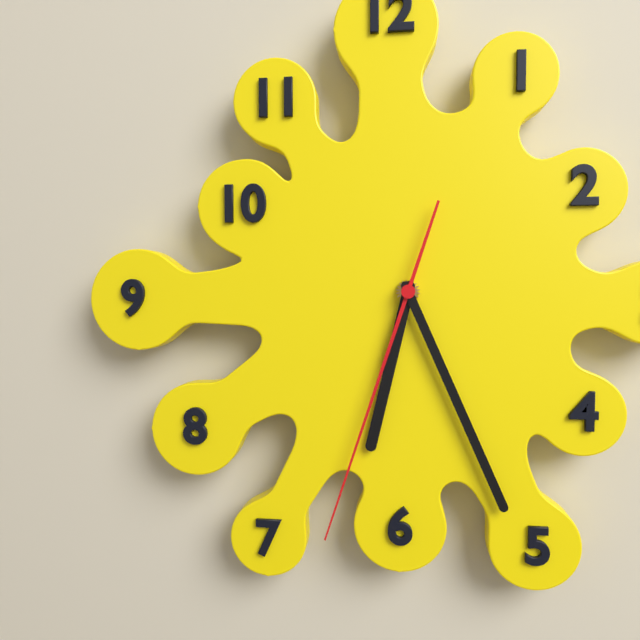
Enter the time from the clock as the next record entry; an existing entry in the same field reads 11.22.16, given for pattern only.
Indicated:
6.26.33
